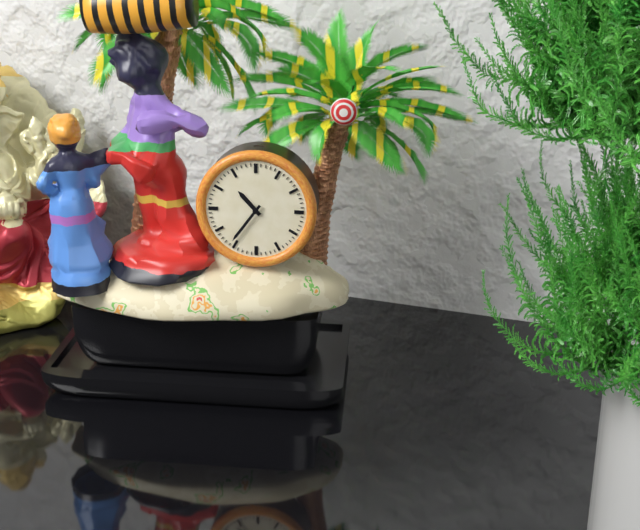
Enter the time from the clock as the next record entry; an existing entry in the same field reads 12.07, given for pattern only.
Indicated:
10.36
